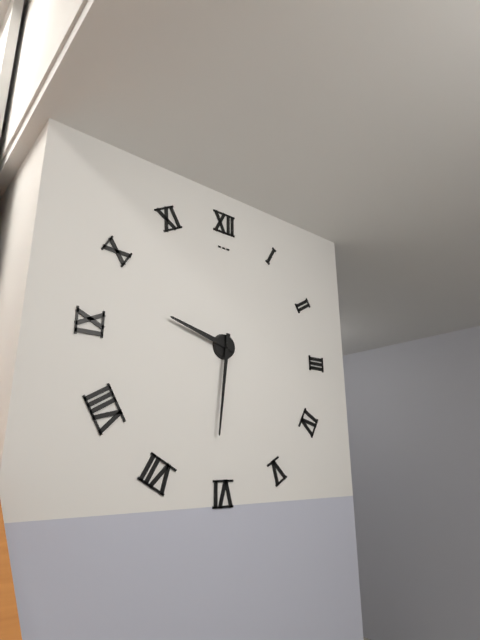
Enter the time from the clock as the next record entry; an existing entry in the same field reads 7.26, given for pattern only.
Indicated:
9.31
